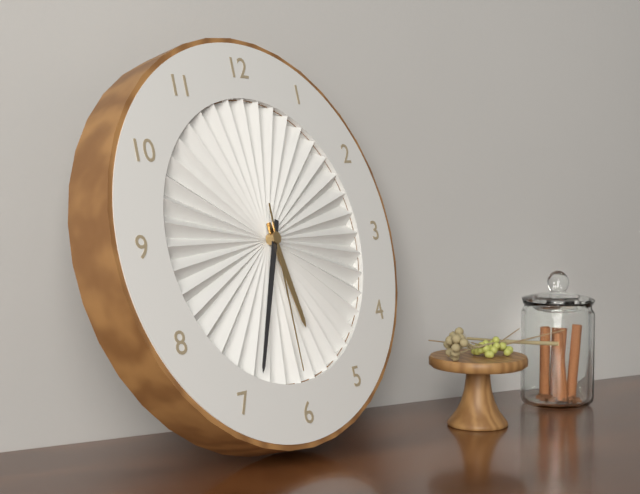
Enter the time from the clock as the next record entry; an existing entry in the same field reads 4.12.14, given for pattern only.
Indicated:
5.34.30
